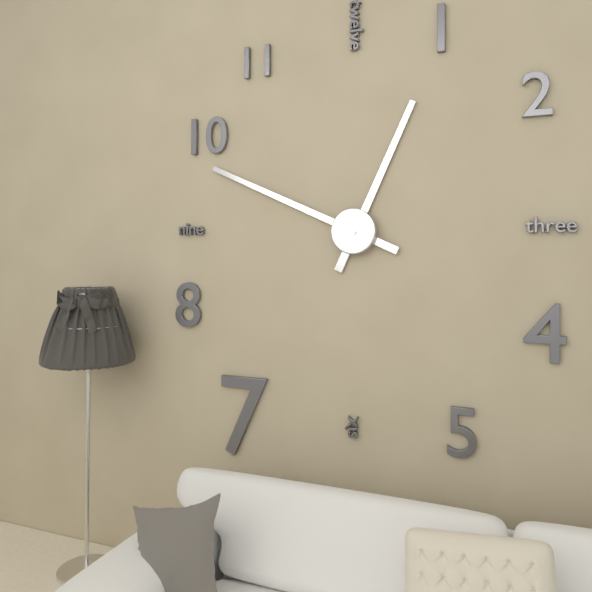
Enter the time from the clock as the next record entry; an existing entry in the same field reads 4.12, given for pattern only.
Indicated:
12.49
